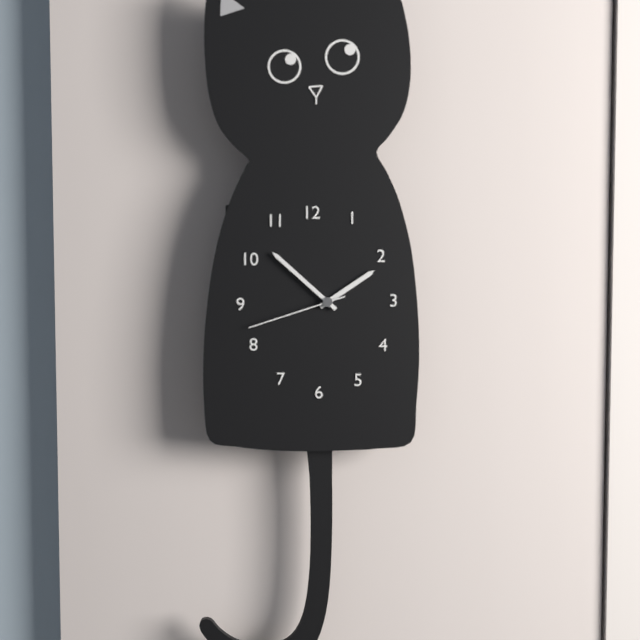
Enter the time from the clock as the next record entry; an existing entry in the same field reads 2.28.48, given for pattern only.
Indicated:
1.52.42
